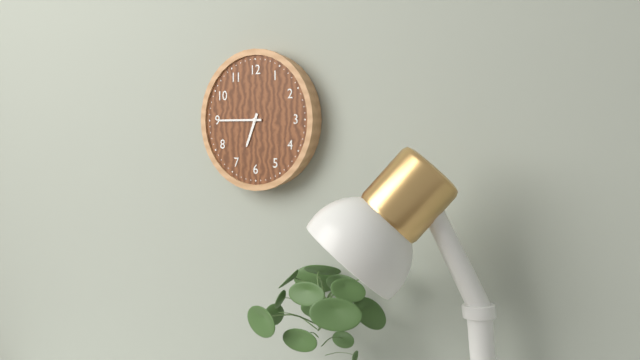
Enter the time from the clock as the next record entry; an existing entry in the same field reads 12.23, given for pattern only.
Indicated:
6.45
